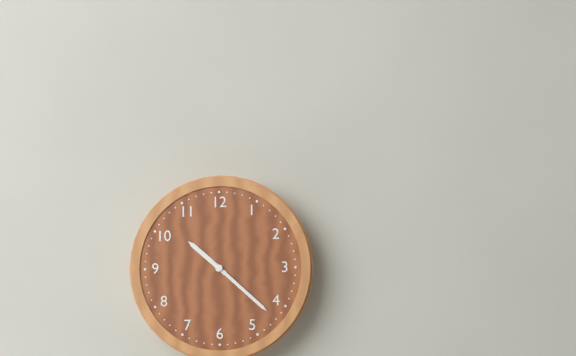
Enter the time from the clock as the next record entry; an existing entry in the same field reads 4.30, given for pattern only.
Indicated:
10.22
